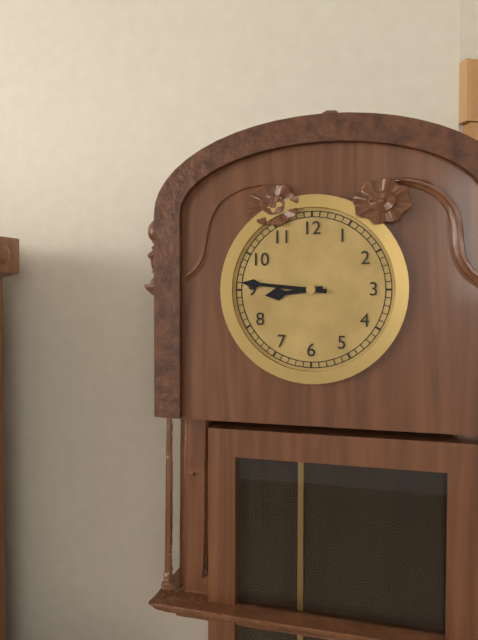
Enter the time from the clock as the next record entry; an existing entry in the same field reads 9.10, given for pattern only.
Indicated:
8.46
